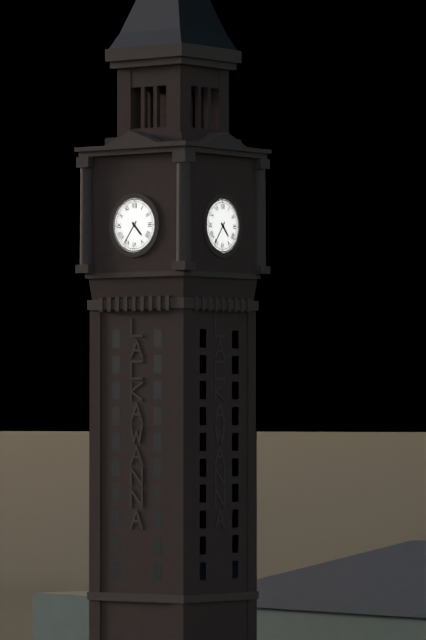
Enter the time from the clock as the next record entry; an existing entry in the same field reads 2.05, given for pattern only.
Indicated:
4.36
